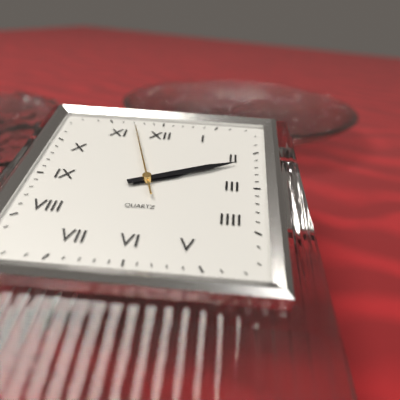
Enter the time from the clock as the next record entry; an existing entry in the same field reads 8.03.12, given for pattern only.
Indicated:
2.11.57
